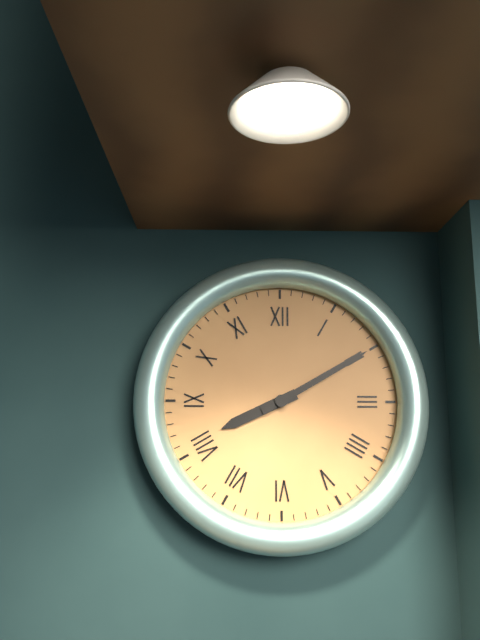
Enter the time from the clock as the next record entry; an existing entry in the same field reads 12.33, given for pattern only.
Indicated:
8.10
